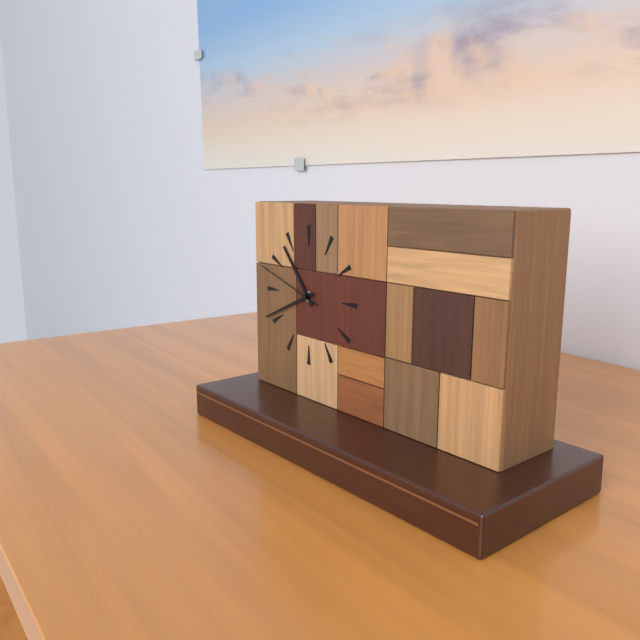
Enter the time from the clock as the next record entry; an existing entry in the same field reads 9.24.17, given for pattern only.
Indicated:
10.41.48
